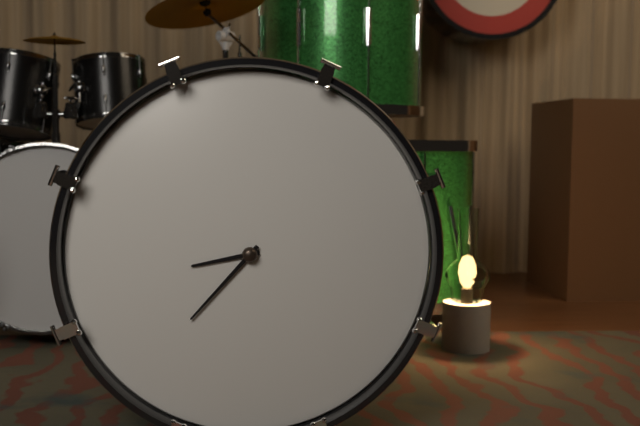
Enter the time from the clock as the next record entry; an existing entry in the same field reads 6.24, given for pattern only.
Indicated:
8.37
